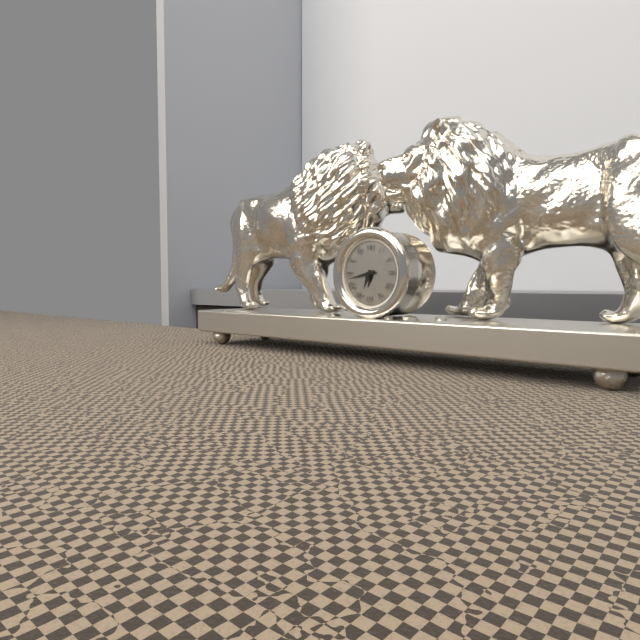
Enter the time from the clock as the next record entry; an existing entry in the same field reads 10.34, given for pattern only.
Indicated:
6.43
